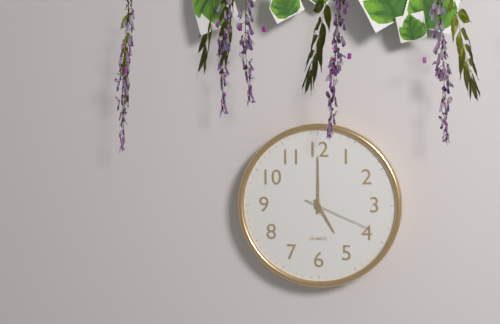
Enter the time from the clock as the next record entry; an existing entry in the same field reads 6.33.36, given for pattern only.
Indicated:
5.00.19
